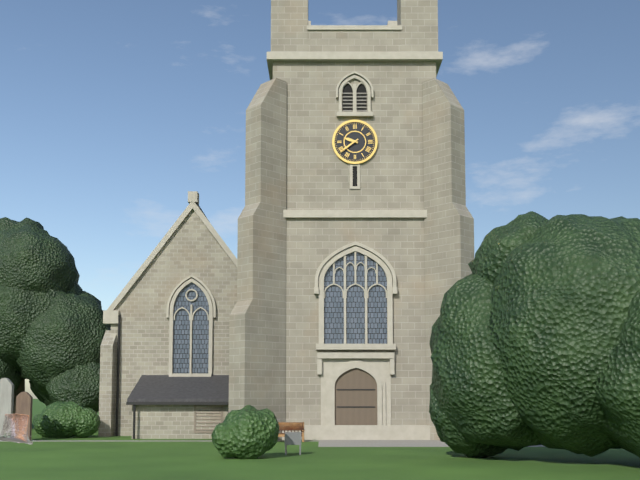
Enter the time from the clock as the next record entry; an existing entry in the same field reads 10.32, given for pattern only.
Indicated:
9.39
